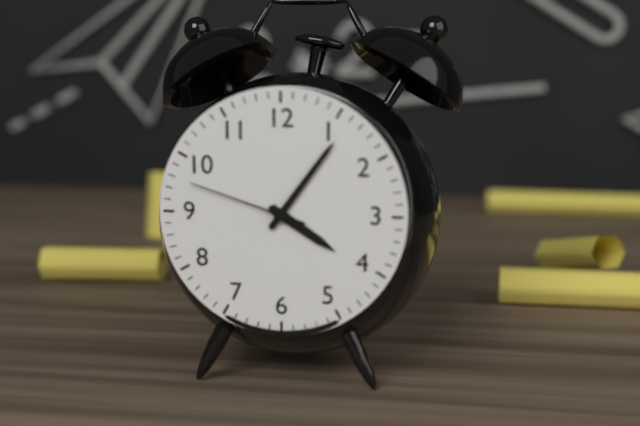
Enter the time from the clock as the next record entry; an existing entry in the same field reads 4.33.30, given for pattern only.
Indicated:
4.06.48
